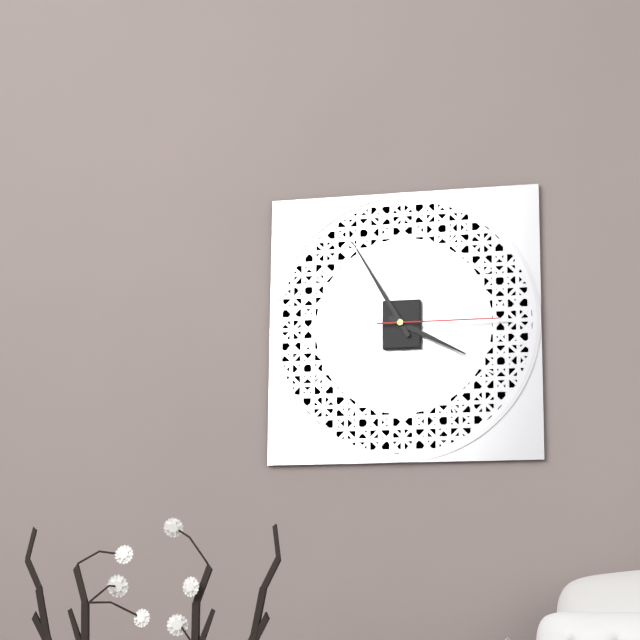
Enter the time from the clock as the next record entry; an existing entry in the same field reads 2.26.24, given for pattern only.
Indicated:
3.55.15
